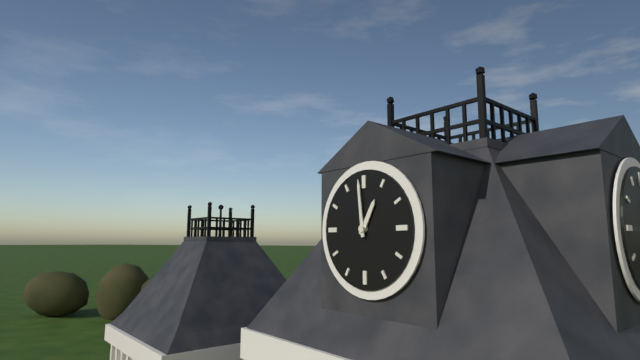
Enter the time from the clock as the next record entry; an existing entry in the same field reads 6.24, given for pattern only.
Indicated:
12.59
